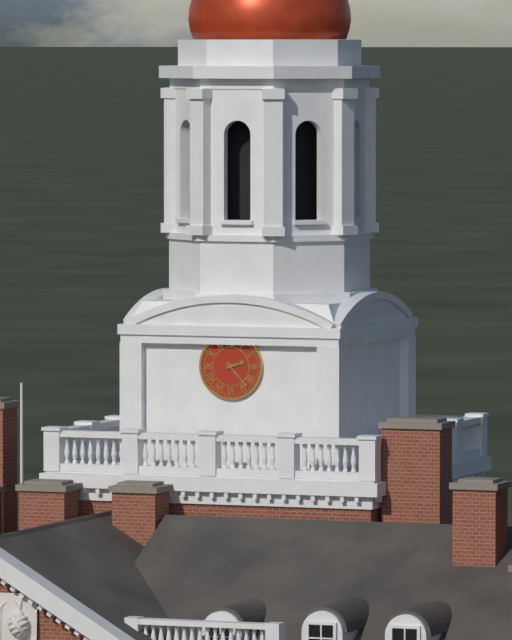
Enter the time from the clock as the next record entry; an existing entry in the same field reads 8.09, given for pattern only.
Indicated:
2.23
